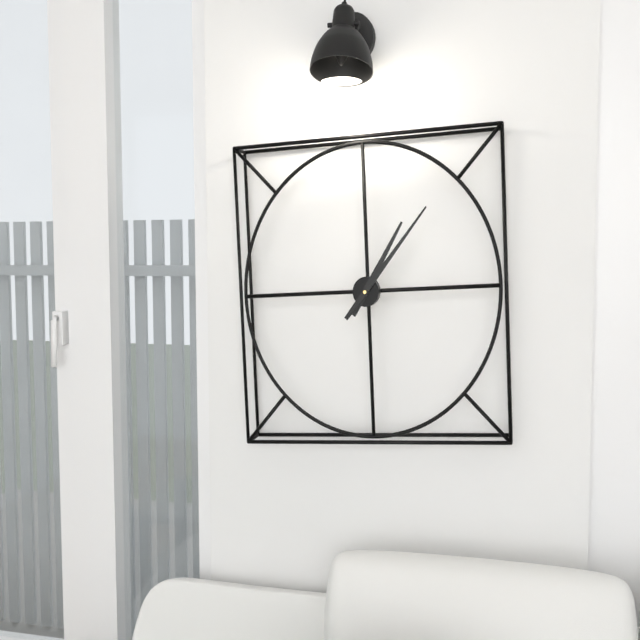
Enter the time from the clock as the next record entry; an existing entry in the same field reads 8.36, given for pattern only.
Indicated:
1.07
